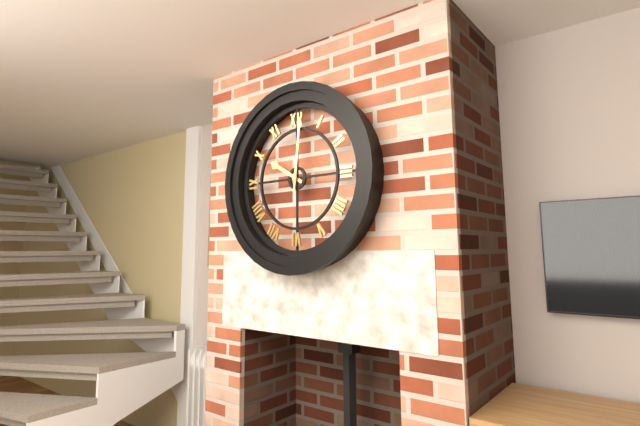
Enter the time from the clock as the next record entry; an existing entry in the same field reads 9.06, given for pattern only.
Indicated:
10.01
